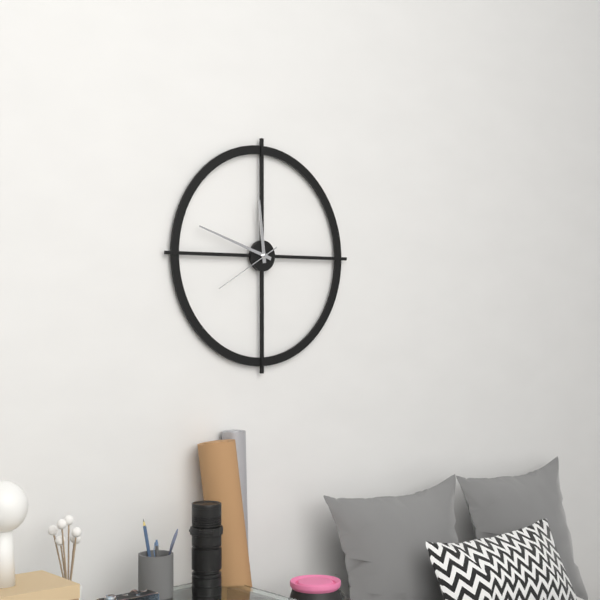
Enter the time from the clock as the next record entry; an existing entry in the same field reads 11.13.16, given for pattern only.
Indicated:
11.48.40
